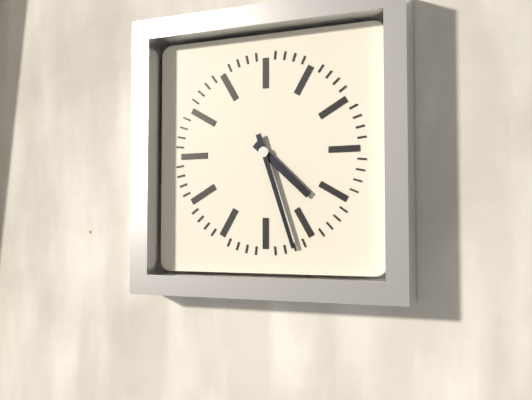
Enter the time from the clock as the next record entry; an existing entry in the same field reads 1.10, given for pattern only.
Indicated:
4.27
